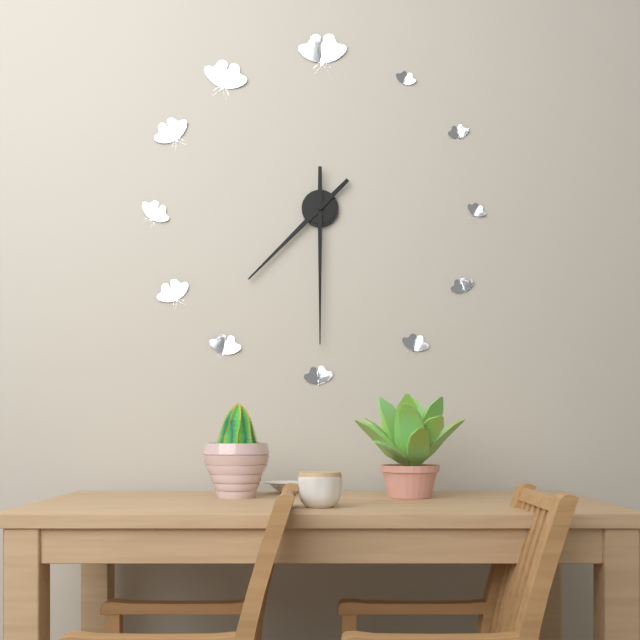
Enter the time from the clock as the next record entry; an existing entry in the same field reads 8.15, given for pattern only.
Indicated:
7.30
